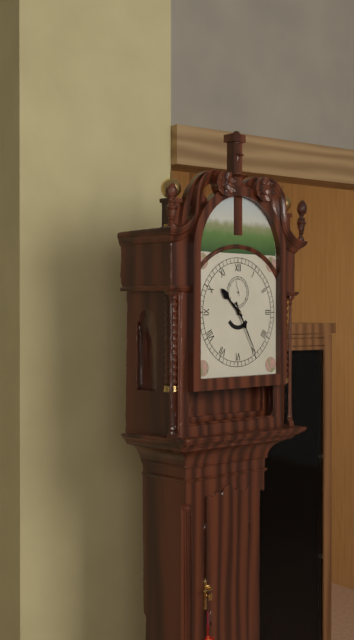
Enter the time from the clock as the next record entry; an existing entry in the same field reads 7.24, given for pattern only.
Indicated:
10.25
